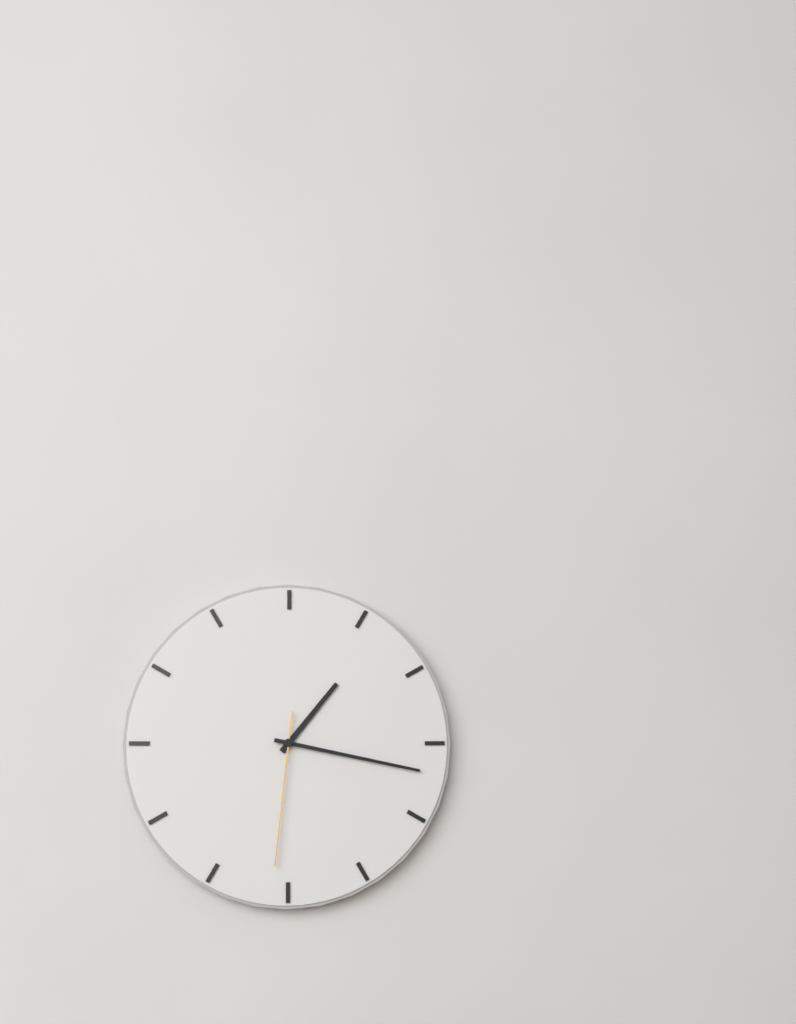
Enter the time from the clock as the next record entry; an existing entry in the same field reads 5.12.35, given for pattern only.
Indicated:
1.17.31
